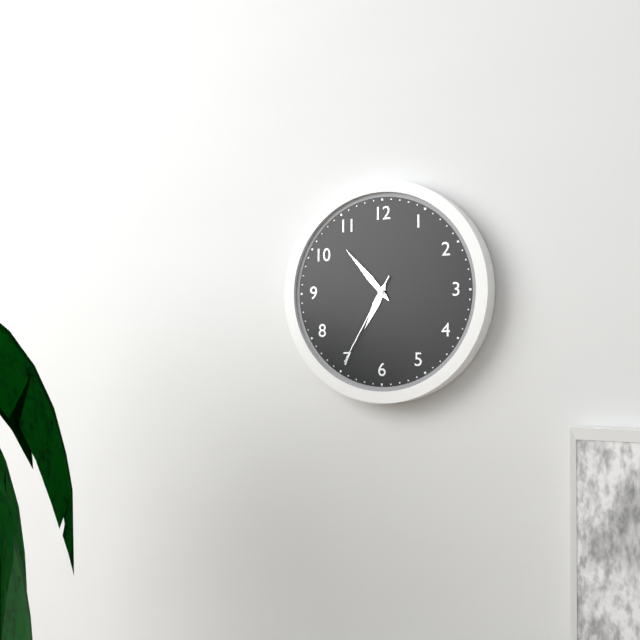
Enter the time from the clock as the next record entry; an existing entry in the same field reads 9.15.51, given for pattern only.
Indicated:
6.53.35
